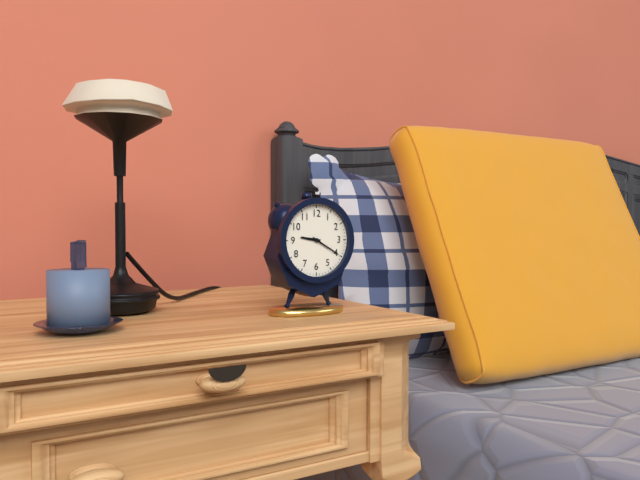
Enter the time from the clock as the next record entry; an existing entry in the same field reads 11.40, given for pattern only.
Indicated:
9.20
